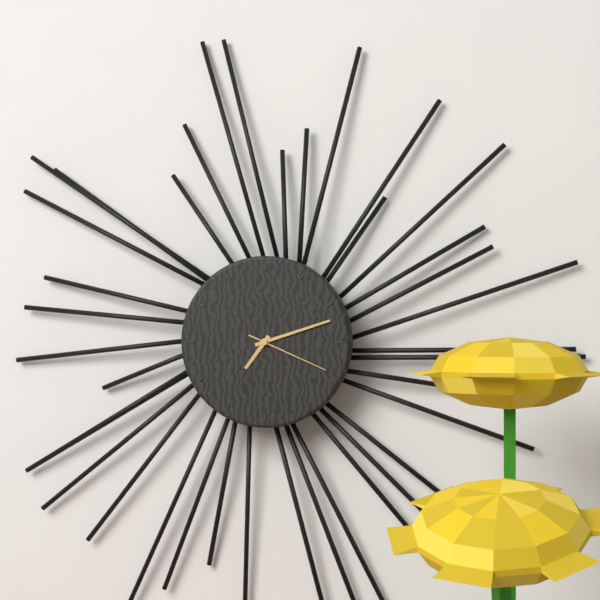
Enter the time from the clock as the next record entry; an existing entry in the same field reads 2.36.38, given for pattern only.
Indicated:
7.12.19
